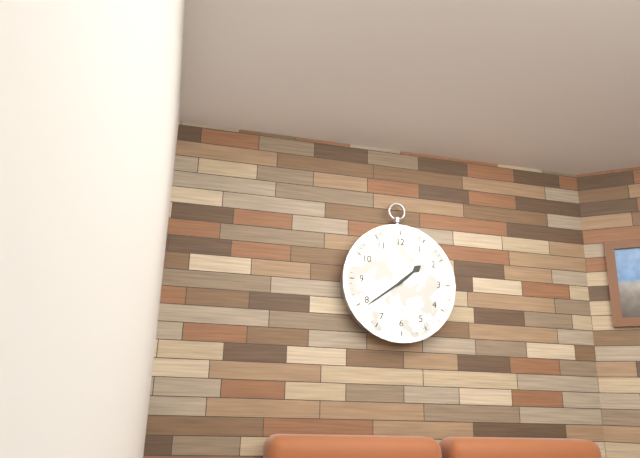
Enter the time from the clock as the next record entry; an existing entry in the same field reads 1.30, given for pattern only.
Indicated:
1.39
